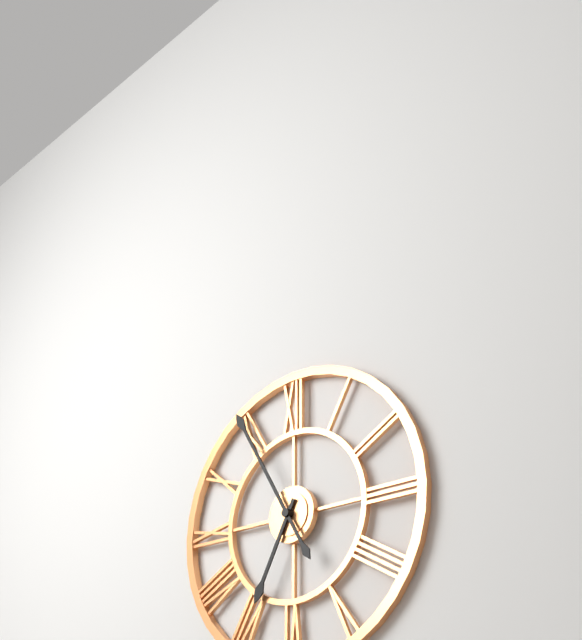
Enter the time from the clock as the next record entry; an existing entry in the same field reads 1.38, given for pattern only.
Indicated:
6.55
